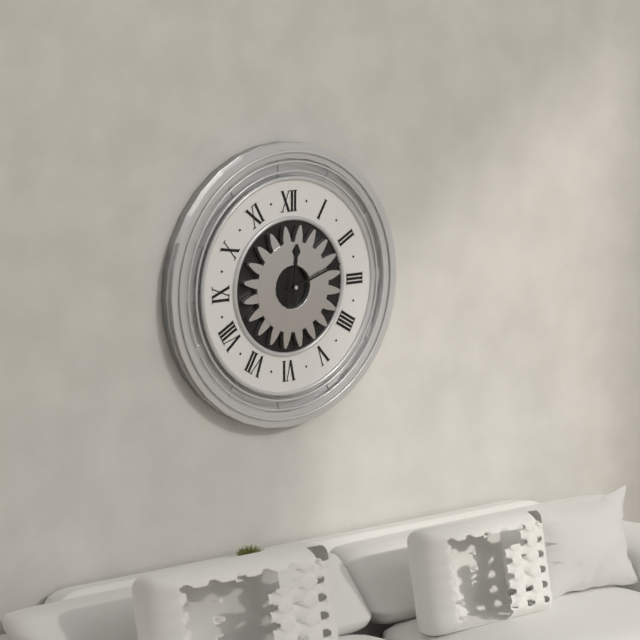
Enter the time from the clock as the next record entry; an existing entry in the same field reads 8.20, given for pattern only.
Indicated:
12.12
